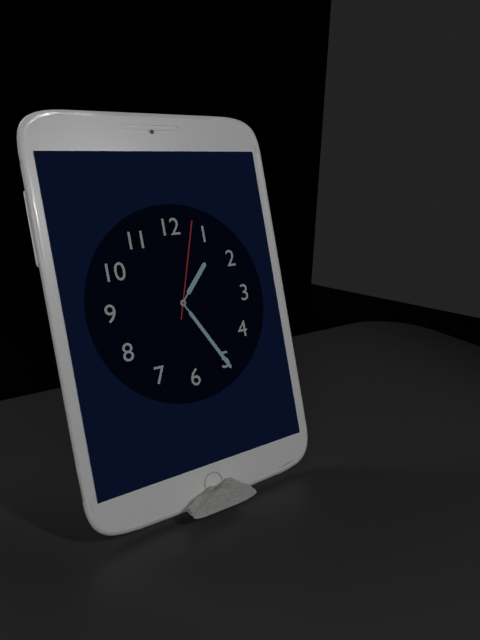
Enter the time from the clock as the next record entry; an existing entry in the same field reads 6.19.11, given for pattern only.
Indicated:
1.25.03
